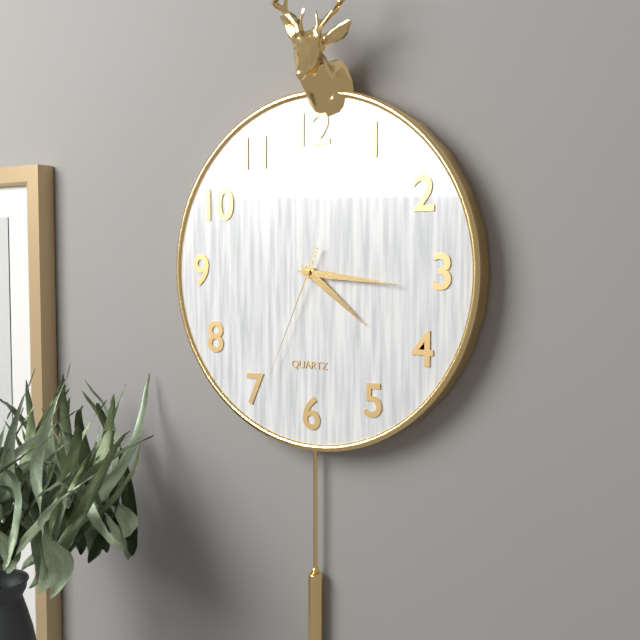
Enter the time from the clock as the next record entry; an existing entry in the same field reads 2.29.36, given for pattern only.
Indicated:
4.16.34
